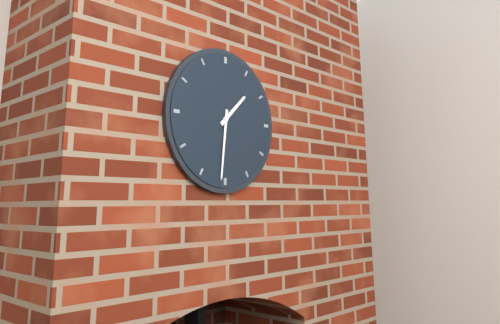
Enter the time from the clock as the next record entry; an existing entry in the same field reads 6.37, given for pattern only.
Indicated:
1.31
